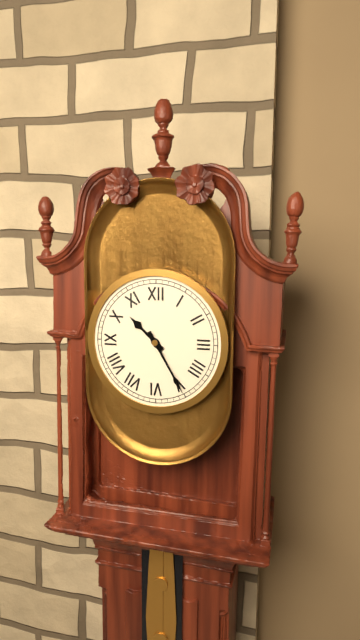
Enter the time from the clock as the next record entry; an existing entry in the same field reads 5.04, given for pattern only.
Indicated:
10.25
